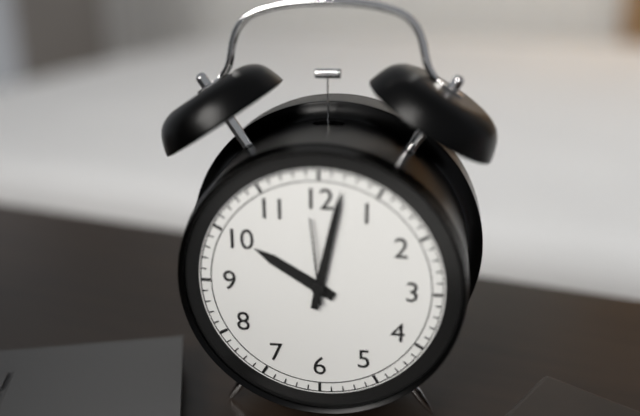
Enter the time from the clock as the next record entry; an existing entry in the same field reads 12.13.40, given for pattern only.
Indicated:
10.02.59
